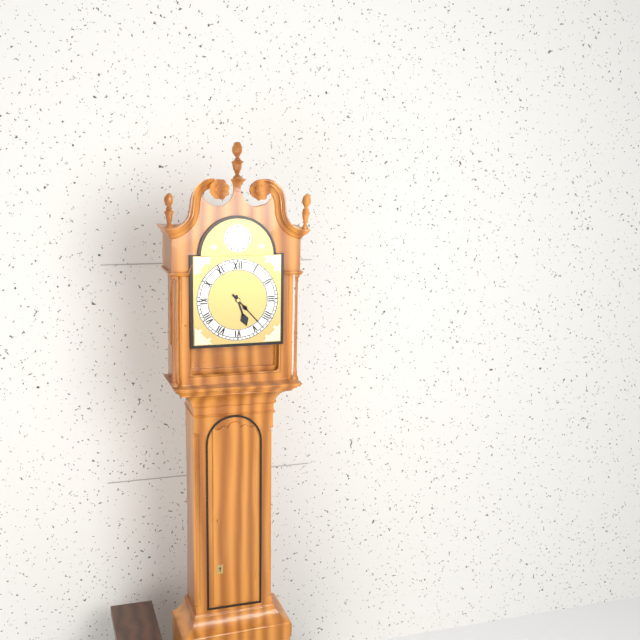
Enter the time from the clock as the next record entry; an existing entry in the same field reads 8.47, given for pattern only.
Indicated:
5.23
